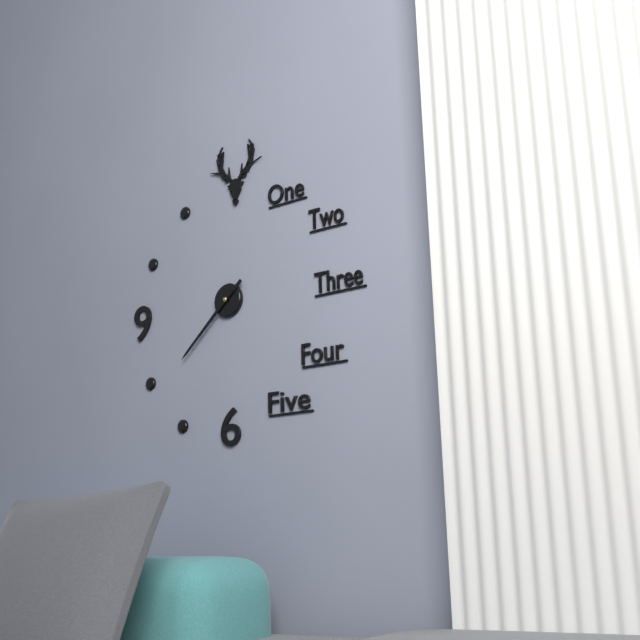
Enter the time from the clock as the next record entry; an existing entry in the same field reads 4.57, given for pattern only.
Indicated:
7.38
